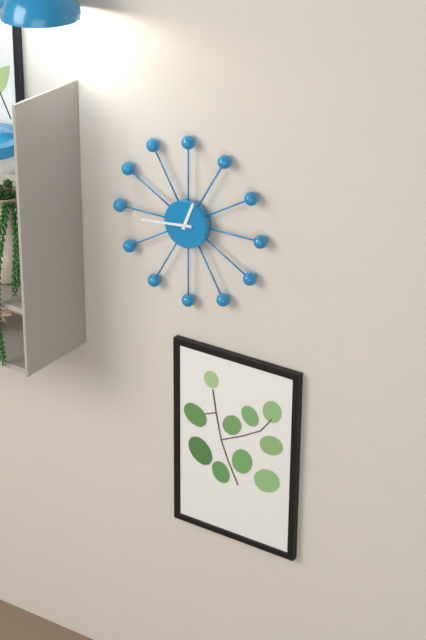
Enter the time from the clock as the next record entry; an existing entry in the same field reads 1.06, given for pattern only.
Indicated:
12.44
